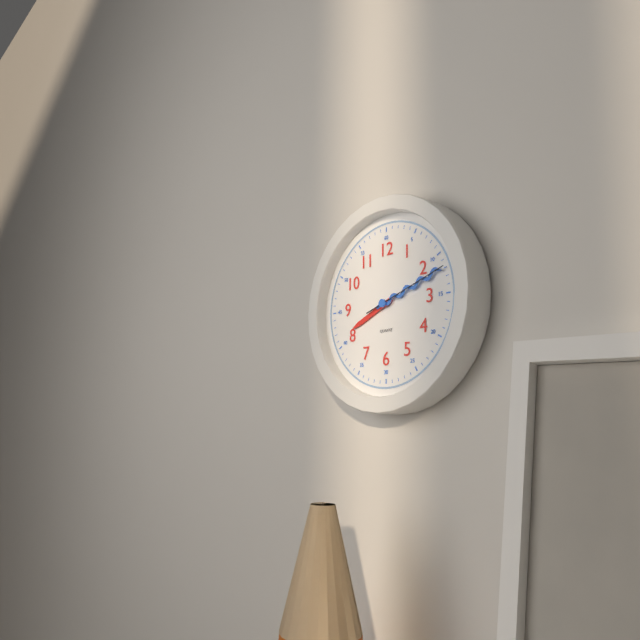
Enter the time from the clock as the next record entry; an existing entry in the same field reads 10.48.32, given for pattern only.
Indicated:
8.12.12
